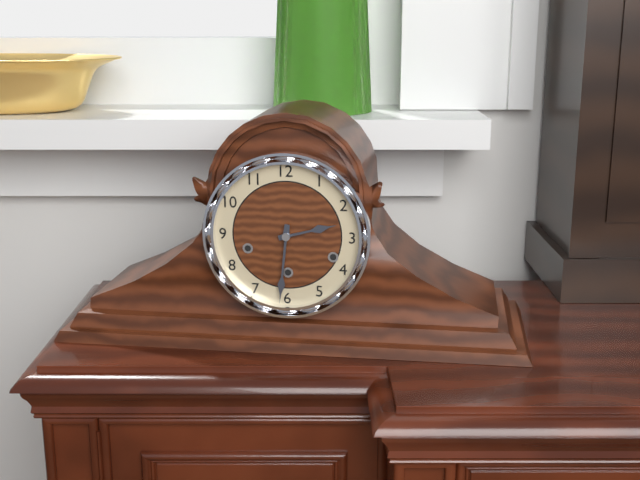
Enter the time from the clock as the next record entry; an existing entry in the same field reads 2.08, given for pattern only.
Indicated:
2.31
